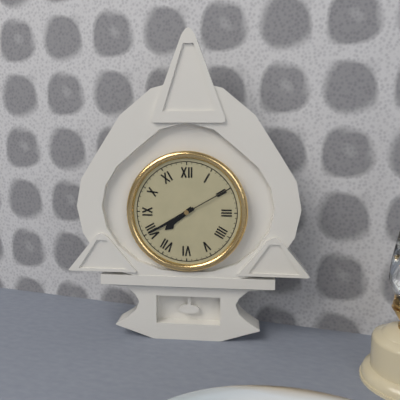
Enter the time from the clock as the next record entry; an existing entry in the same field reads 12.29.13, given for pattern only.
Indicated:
7.40.10
